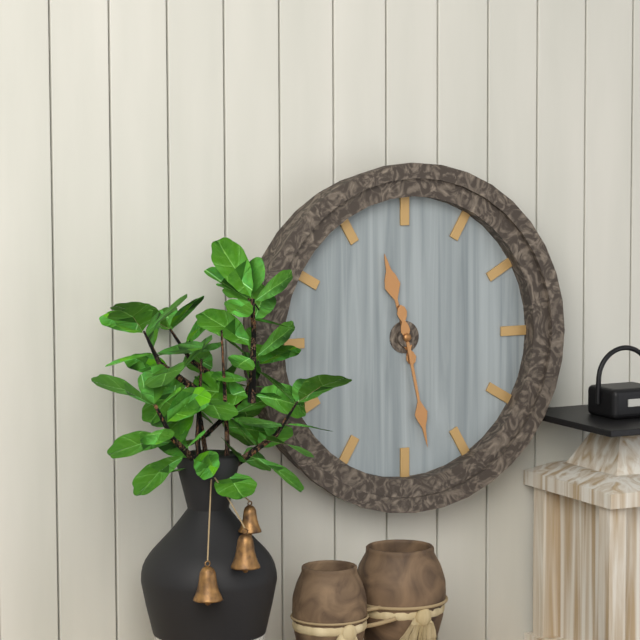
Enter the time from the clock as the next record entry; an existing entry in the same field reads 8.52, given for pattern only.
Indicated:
11.28
